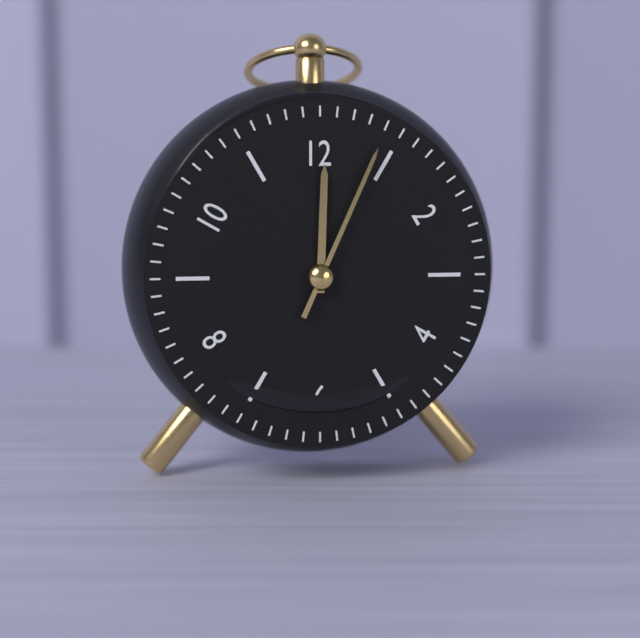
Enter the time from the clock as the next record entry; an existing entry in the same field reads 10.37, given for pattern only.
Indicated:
12.04
